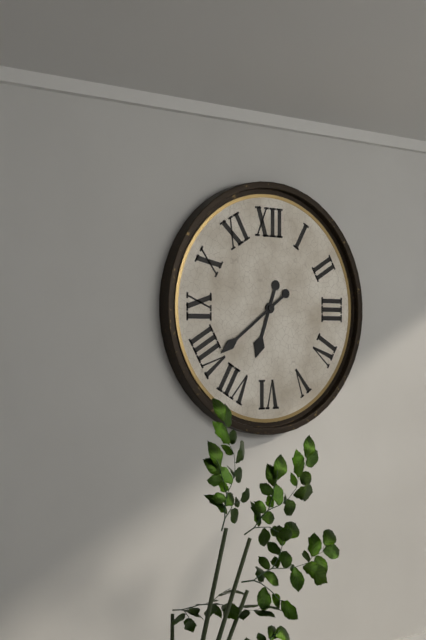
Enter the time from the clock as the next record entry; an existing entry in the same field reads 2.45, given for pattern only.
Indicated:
6.39
